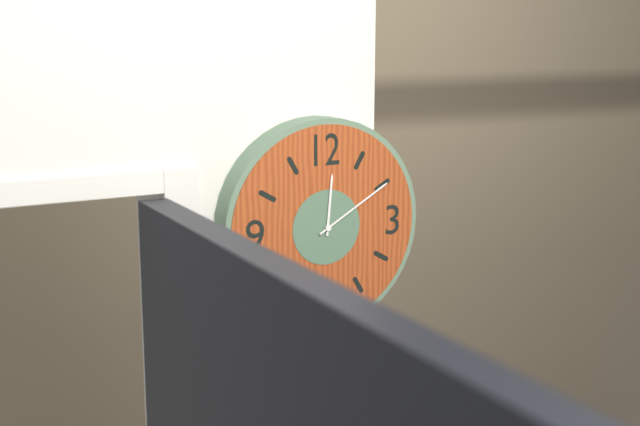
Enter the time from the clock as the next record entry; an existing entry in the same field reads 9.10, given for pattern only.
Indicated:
12.10
